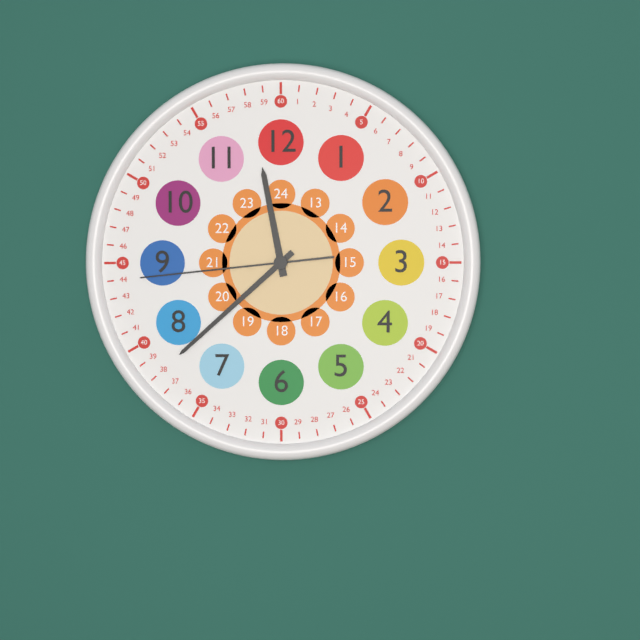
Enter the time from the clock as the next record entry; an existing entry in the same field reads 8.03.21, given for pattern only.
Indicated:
11.38.44
